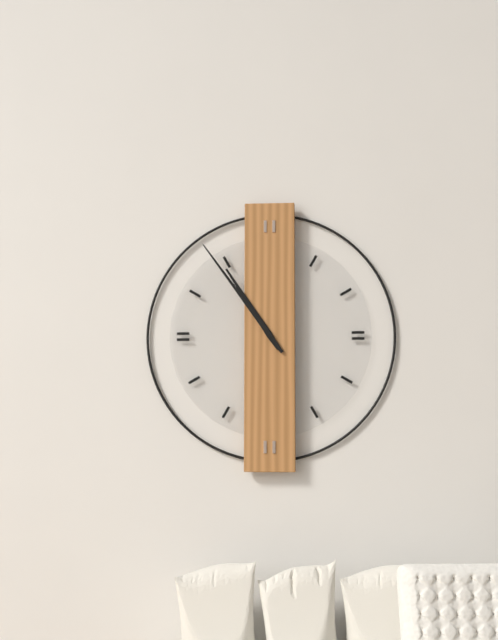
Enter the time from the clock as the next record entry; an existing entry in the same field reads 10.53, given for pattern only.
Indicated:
10.54
